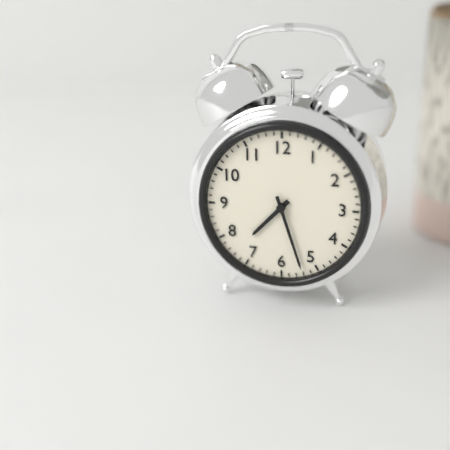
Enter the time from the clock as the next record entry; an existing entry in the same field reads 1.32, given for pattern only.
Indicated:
7.27
